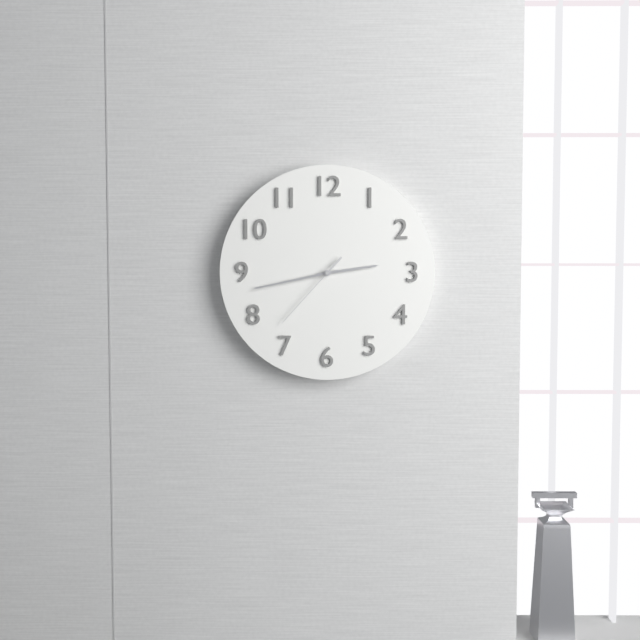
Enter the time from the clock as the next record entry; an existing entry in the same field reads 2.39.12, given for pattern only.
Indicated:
2.43.37
